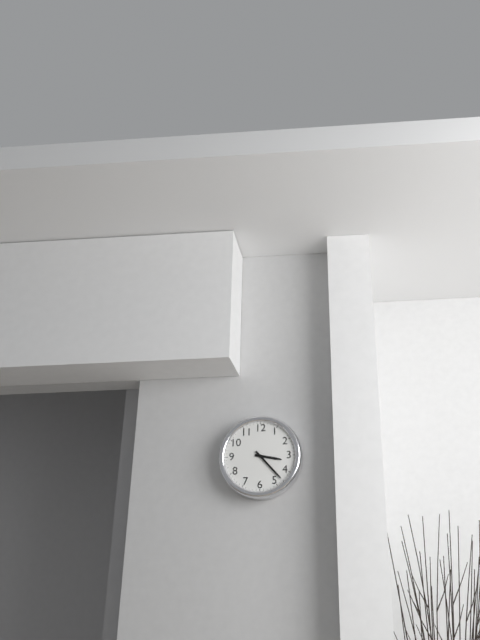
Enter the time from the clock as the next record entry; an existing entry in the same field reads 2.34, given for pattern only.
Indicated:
3.23
